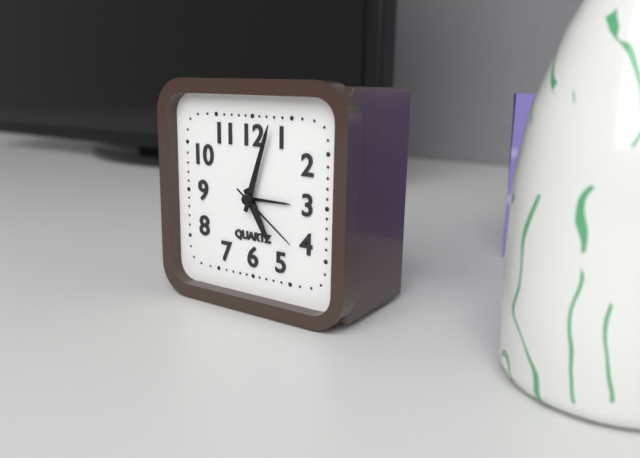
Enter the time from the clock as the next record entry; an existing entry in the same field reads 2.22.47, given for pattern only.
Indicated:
5.03.21
